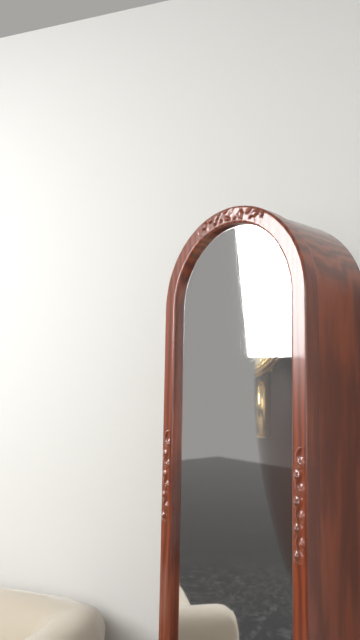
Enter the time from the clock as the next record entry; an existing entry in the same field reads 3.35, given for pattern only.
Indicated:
11.30
